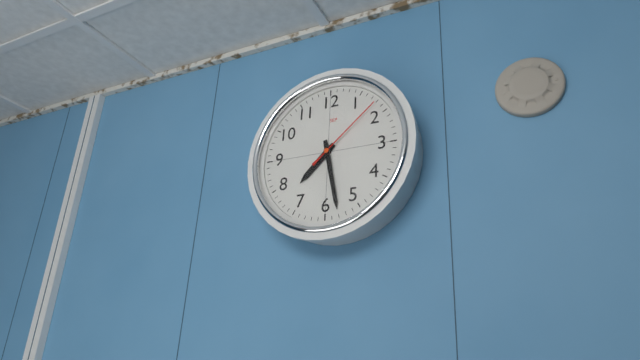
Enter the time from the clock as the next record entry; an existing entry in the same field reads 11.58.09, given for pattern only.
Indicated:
7.28.08
